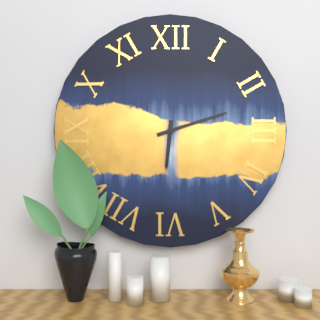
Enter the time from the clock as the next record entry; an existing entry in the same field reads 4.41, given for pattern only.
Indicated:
6.12
